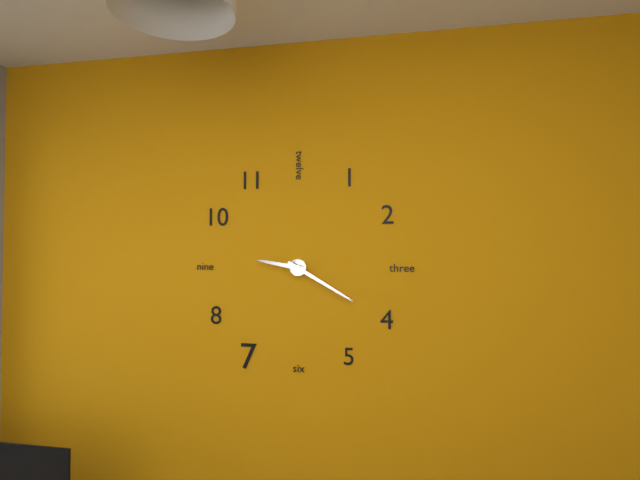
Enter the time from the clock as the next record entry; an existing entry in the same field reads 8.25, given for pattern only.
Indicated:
9.20
